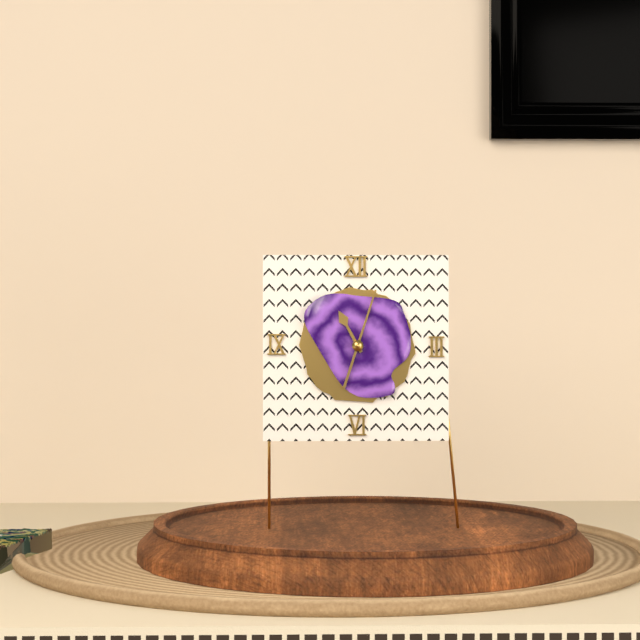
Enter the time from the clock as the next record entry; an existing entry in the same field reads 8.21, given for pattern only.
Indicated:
11.03
